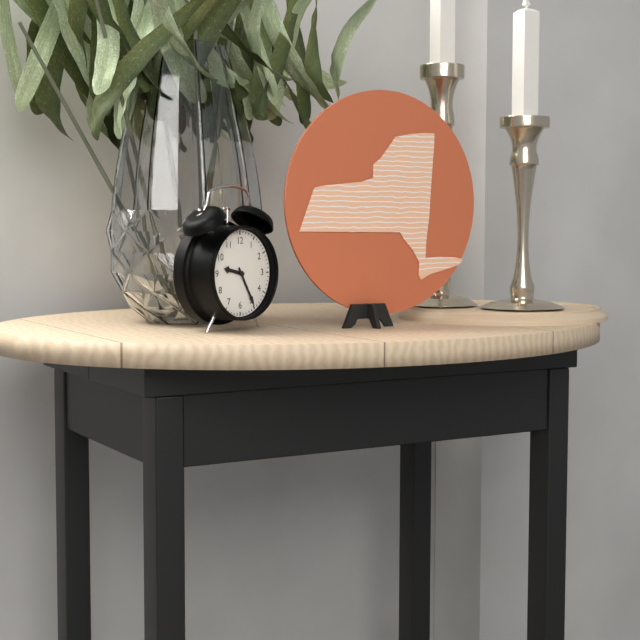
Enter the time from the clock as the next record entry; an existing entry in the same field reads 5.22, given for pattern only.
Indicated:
9.25
